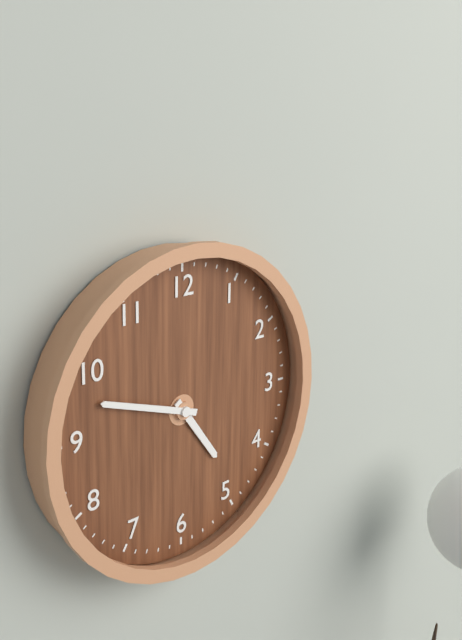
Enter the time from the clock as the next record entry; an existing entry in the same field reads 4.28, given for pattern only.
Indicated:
4.48
